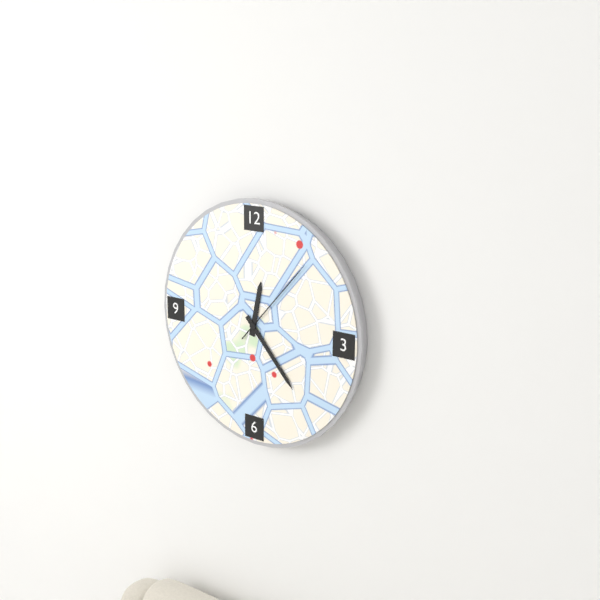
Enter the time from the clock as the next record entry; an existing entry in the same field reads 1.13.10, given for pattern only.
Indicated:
12.23.07
